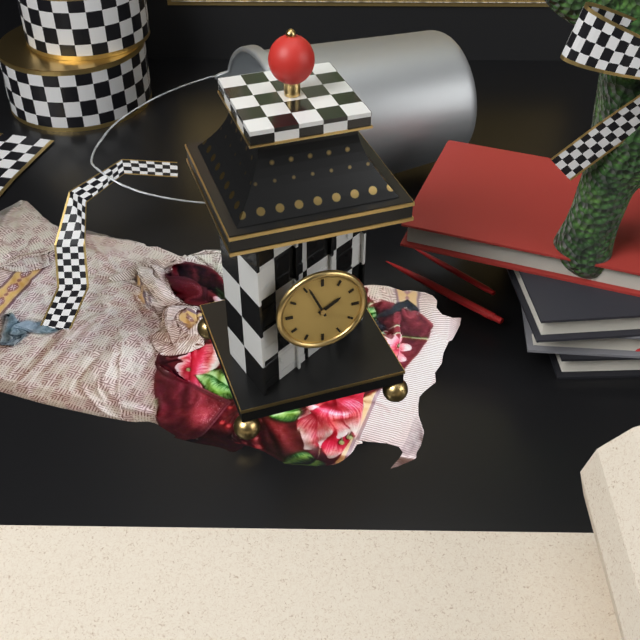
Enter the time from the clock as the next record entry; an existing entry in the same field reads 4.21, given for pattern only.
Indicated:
1.56
